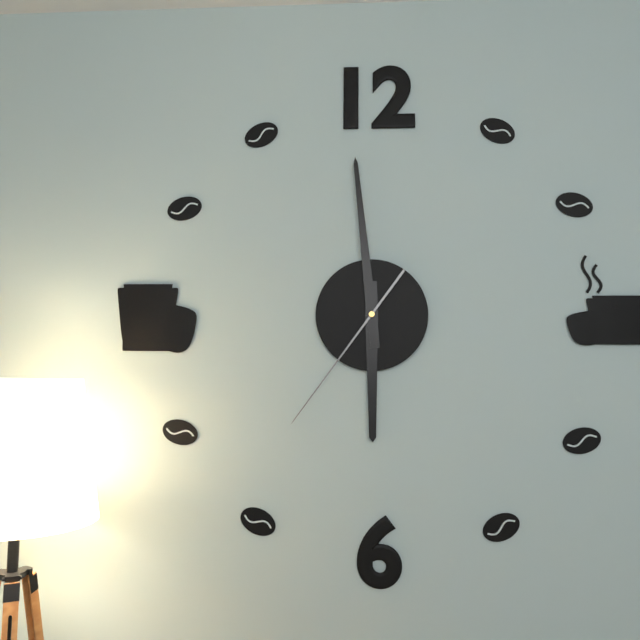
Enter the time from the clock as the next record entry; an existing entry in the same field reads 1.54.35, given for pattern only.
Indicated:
5.59.36
